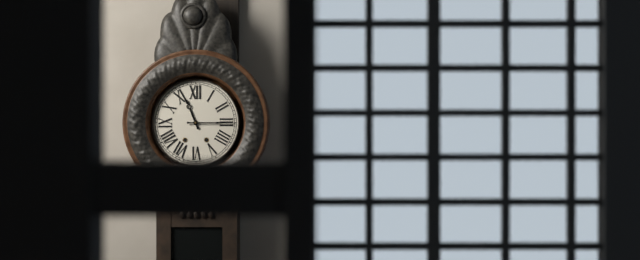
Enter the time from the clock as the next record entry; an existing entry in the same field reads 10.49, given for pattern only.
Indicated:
11.15
